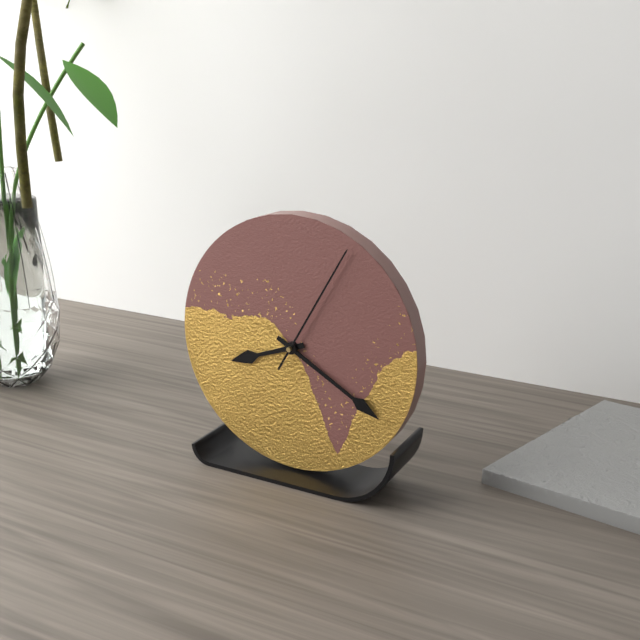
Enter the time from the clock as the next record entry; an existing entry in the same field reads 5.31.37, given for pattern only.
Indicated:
8.20.05
